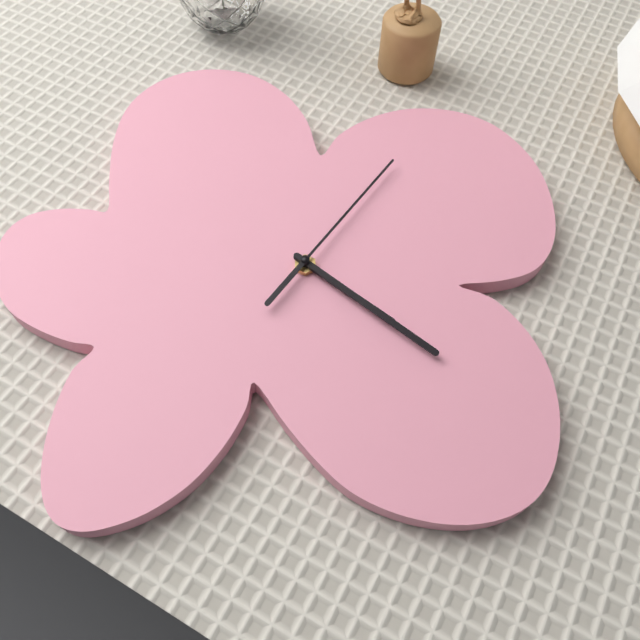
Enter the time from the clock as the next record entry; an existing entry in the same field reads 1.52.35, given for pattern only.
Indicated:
4.22.06
